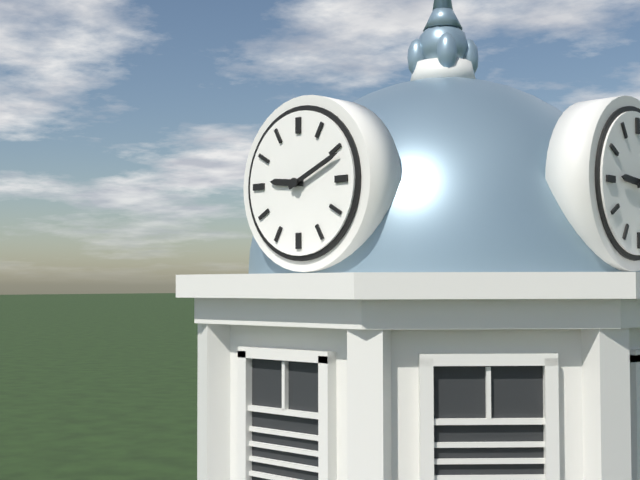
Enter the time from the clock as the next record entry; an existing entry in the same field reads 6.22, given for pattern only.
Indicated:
9.11
